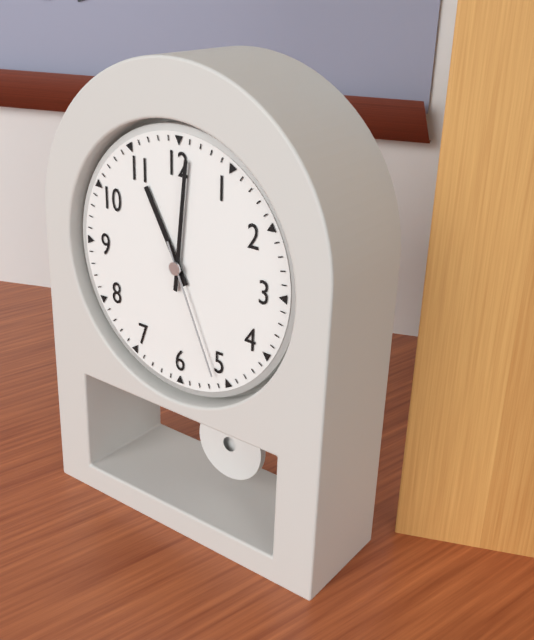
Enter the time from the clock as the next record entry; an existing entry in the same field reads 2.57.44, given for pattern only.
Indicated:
11.01.26
